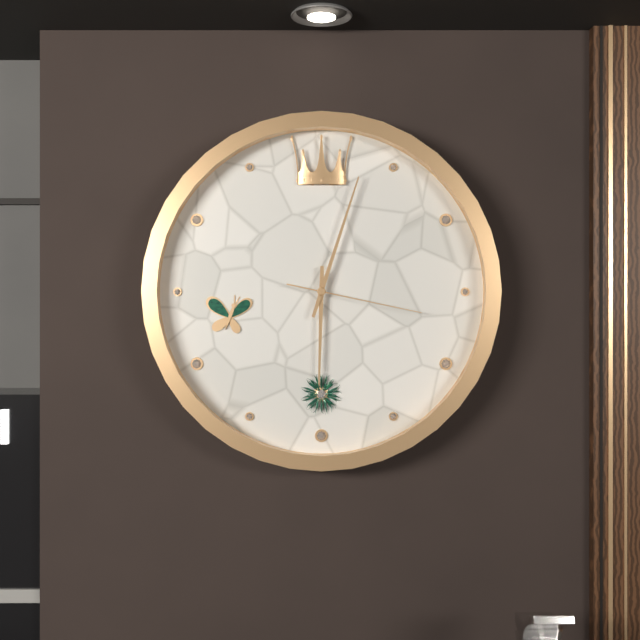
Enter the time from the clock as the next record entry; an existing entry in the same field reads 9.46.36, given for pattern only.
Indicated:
6.03.17
